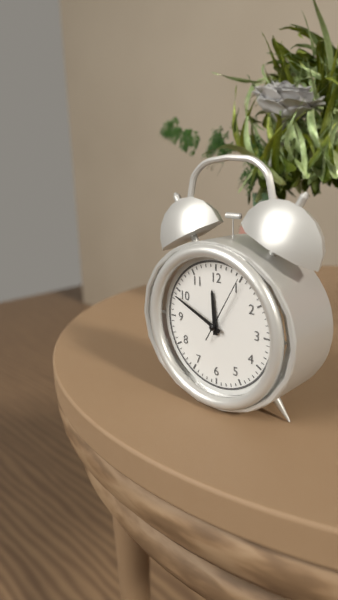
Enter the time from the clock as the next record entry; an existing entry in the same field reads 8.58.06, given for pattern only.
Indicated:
11.49.05
